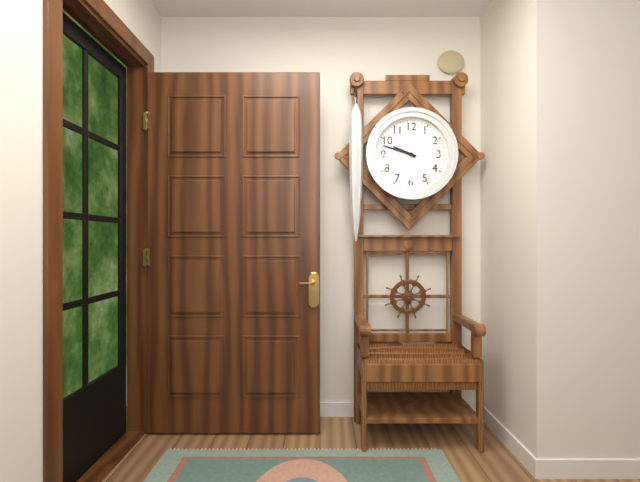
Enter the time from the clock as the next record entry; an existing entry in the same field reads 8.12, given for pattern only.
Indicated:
9.48
